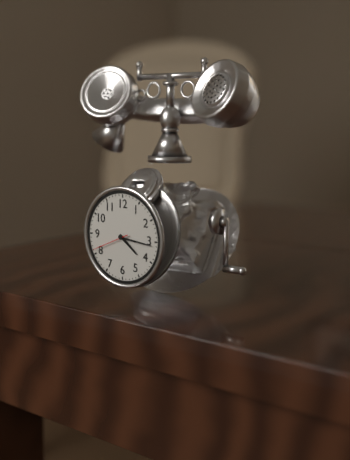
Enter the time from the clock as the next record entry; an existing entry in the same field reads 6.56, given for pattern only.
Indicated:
4.16
